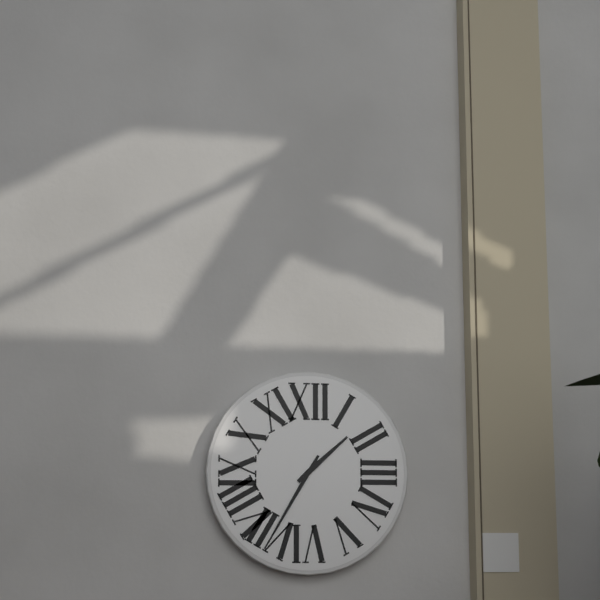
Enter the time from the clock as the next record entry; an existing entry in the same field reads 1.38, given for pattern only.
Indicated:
1.35
